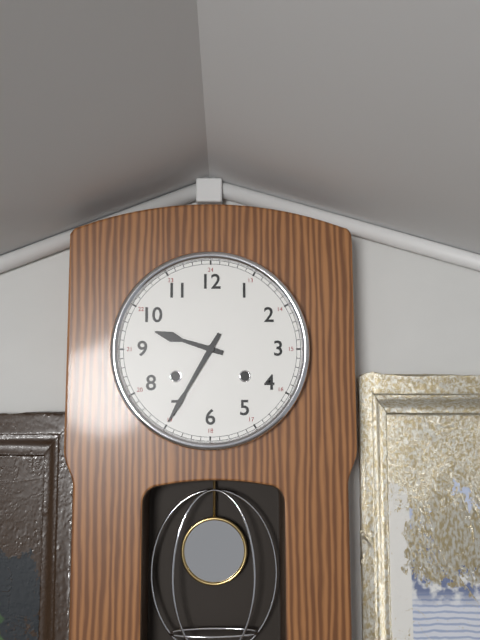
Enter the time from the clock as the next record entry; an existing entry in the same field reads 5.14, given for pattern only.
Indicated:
9.35
